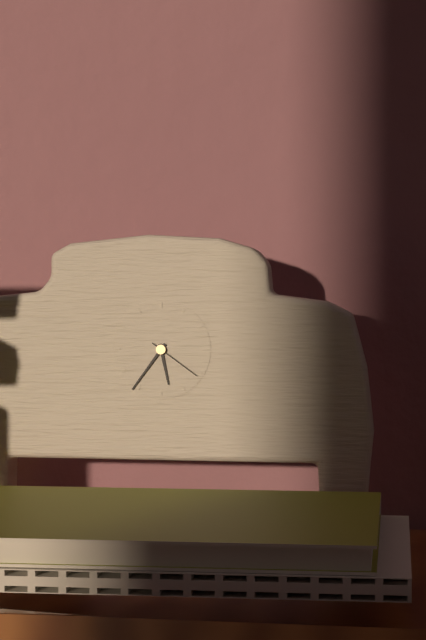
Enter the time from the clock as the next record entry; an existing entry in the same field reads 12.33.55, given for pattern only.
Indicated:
5.36.21
